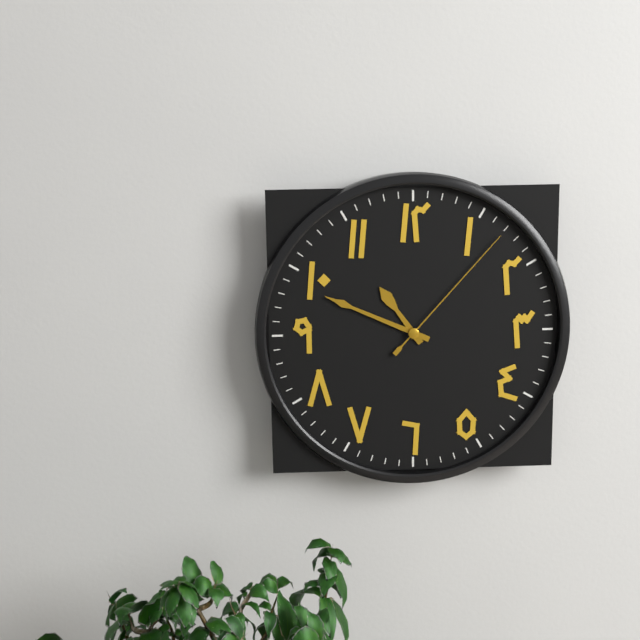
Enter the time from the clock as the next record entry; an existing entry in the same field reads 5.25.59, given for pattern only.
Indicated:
10.49.07
